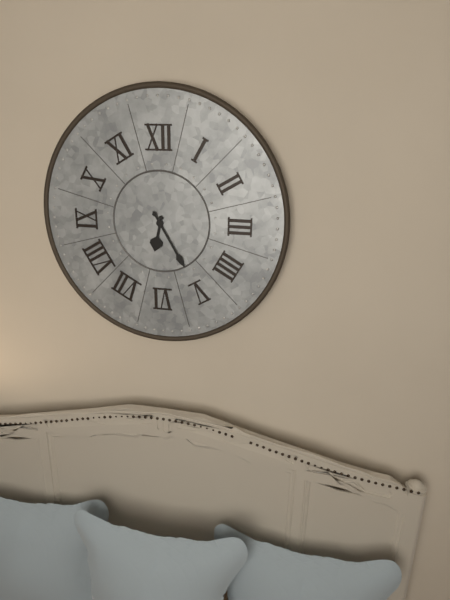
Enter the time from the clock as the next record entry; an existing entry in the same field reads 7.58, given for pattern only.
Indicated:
6.25
